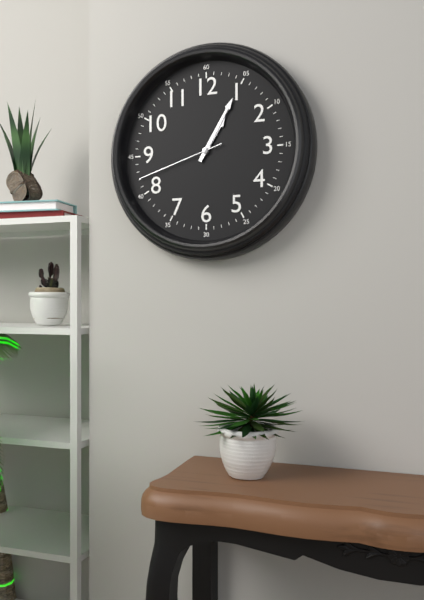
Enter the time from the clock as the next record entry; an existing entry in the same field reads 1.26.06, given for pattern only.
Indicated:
1.05.42
